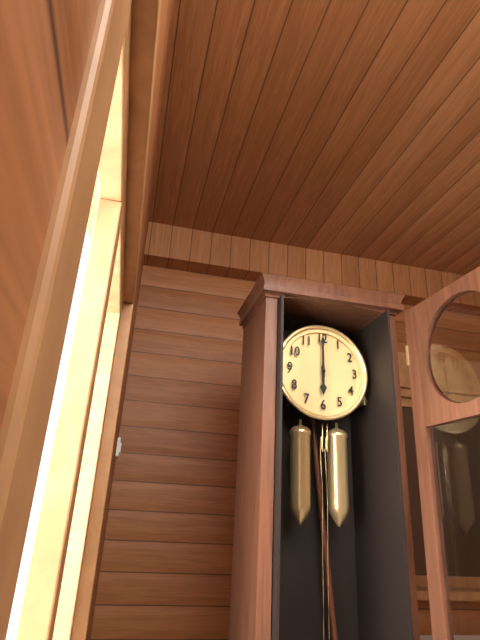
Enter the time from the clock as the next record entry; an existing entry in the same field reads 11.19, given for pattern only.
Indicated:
6.00
